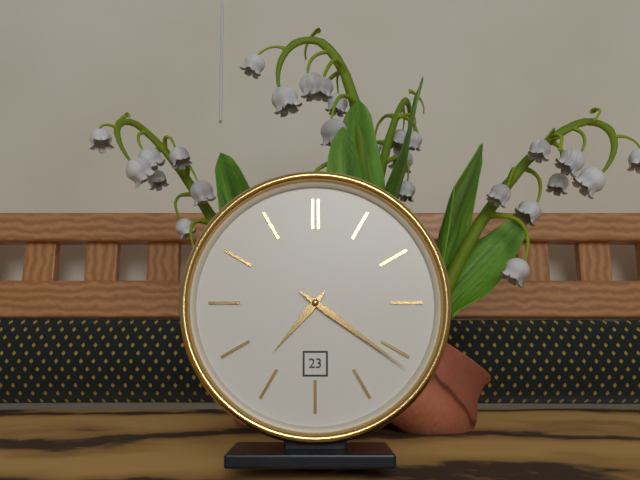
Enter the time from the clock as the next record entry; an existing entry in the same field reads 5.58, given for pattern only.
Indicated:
7.21
